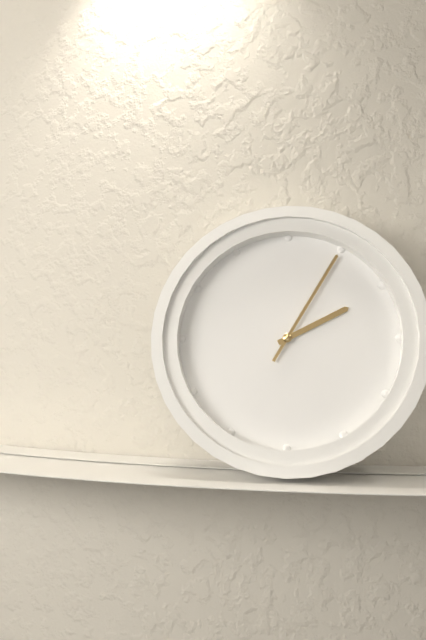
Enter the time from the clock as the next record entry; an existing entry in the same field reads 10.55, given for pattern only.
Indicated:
2.05
